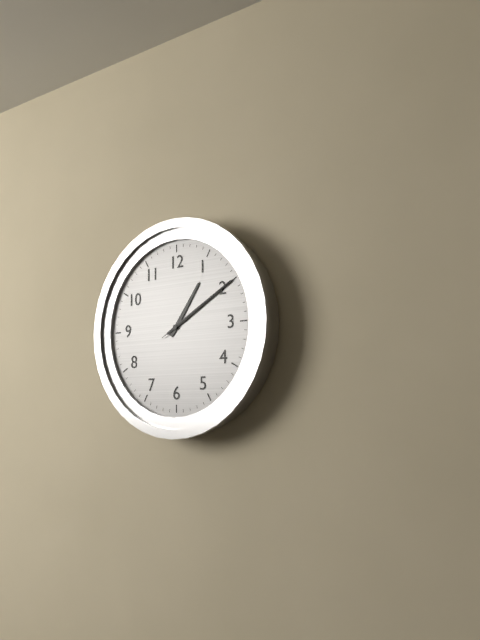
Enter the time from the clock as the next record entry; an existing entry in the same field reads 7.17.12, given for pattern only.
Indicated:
1.10.10
